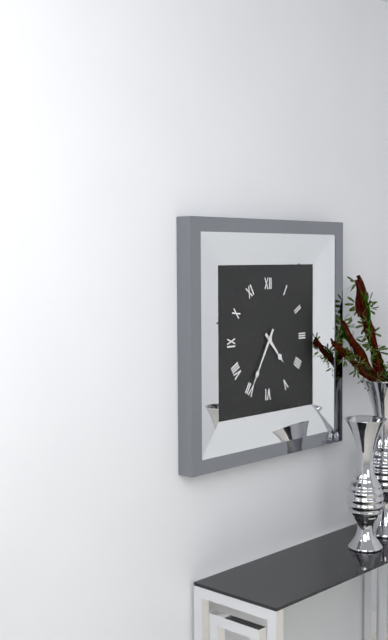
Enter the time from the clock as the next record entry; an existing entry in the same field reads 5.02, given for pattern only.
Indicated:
4.35
